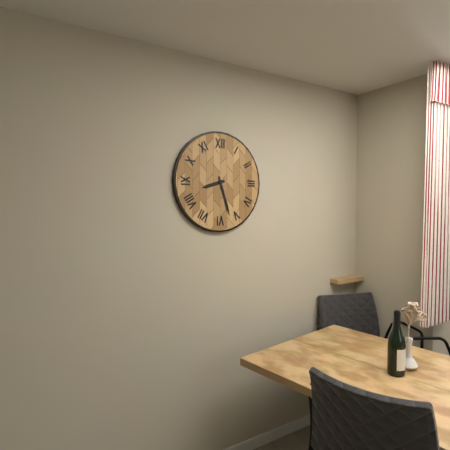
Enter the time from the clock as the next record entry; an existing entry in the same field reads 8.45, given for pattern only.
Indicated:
8.27
